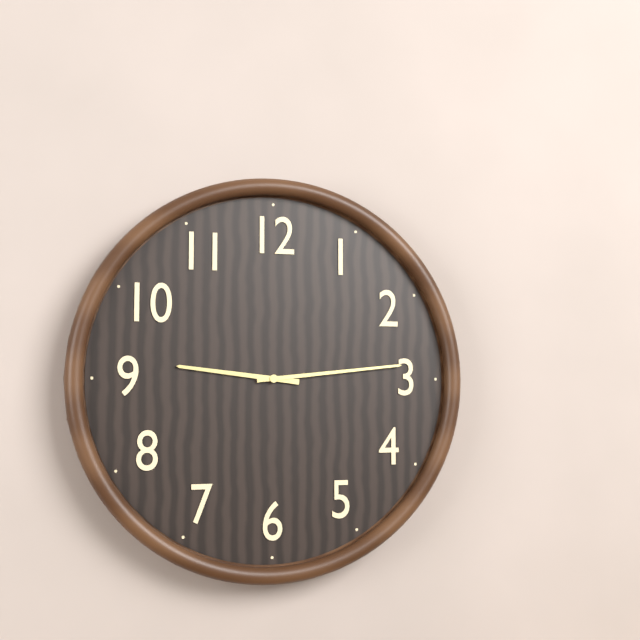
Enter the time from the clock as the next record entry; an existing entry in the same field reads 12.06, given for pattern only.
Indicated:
9.14
